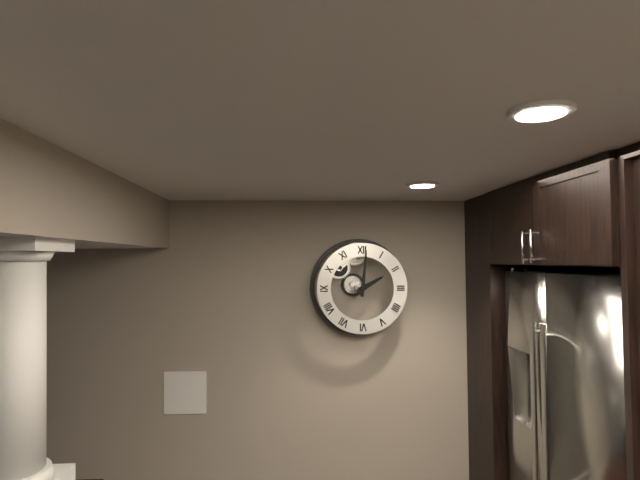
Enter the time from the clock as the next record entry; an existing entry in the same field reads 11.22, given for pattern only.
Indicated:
2.01
